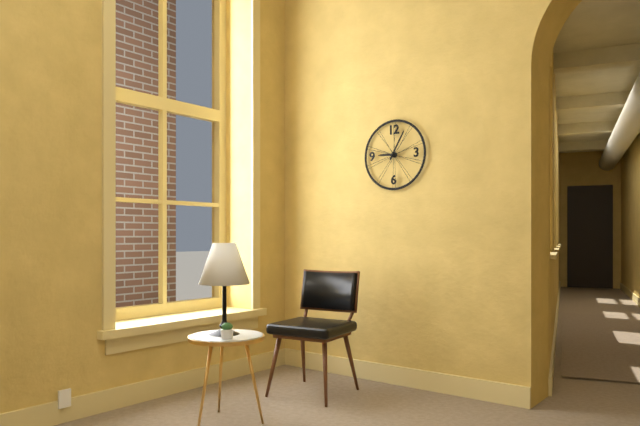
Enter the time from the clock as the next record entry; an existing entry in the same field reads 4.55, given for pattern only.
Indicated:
9.05
